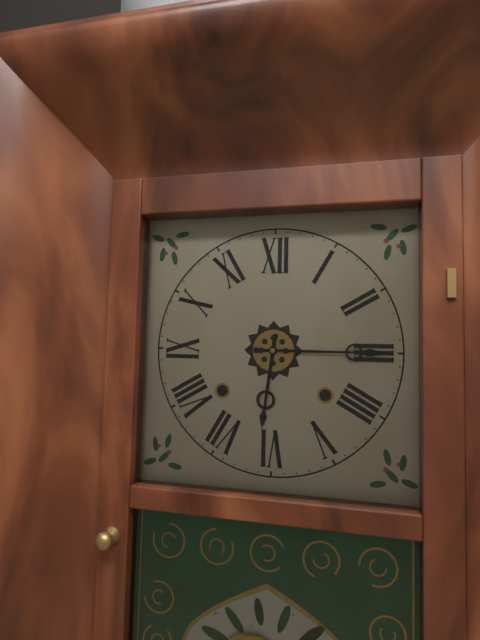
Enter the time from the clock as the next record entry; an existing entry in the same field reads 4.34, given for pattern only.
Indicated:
6.15
